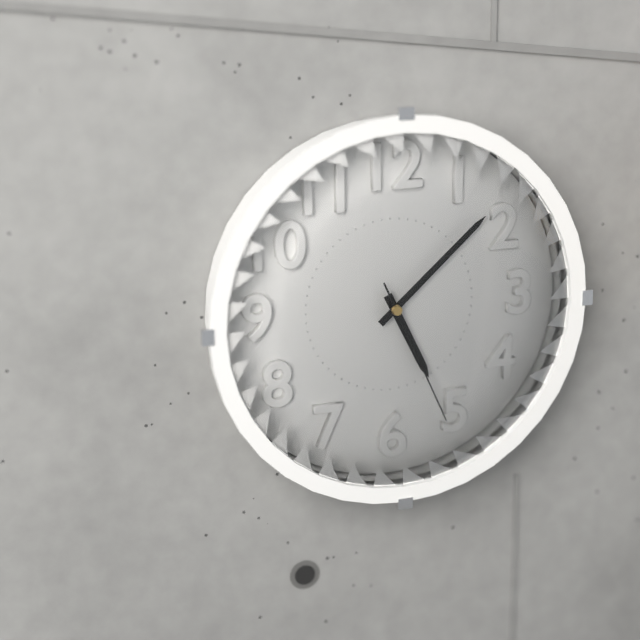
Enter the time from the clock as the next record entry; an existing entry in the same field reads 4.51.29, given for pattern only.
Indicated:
5.08.26
